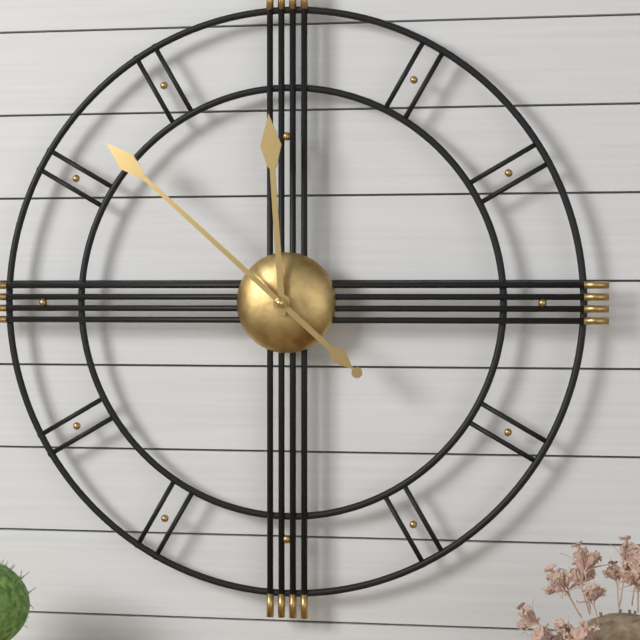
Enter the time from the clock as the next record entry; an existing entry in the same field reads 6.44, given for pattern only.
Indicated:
11.52
